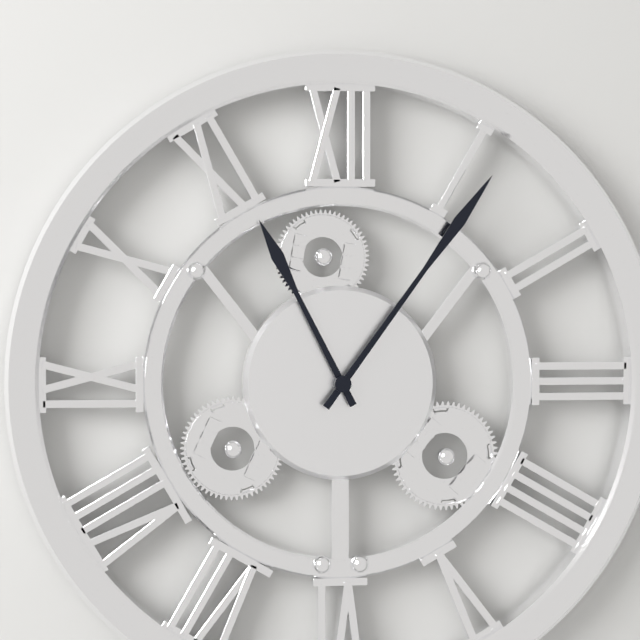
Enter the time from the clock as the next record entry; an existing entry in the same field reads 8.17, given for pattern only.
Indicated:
11.06
